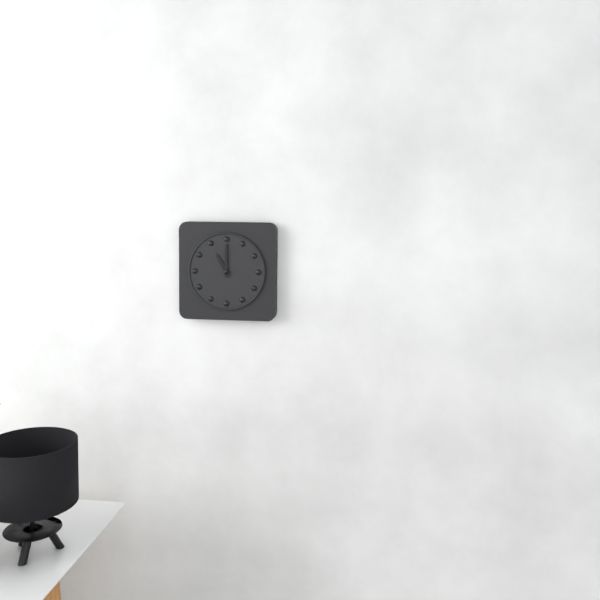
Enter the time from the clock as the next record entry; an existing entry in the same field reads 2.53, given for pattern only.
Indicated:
11.00
